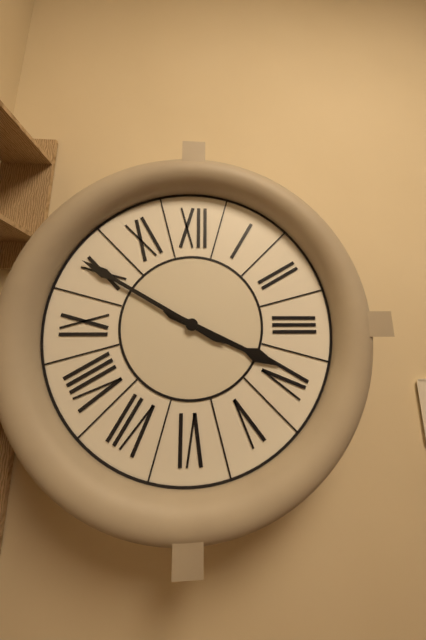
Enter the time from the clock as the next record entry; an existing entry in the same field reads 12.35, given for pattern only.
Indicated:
3.50
